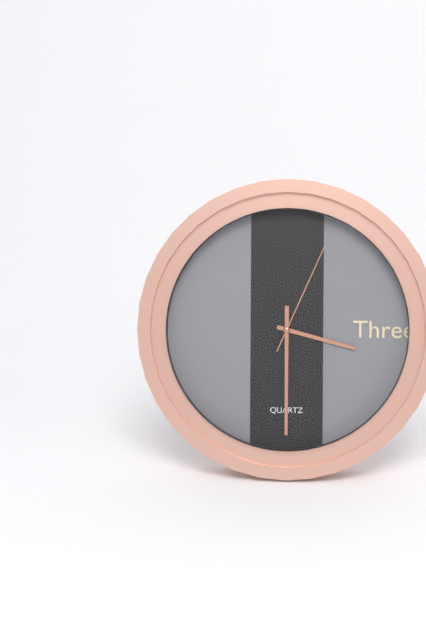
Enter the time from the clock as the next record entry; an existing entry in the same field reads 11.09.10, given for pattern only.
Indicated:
3.30.04
